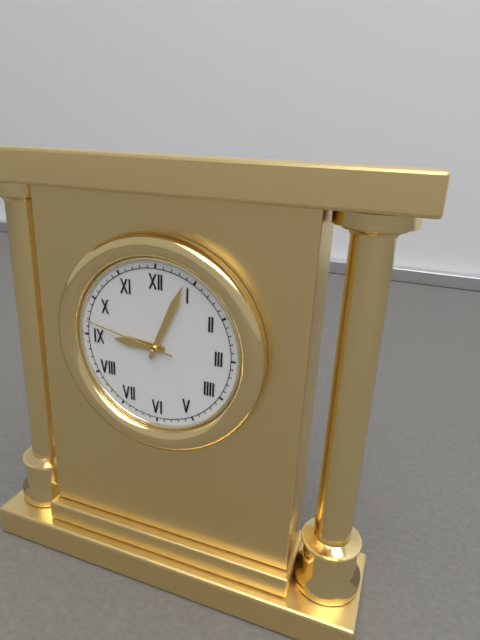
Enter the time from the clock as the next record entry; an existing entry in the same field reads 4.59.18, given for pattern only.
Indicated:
9.04.47
